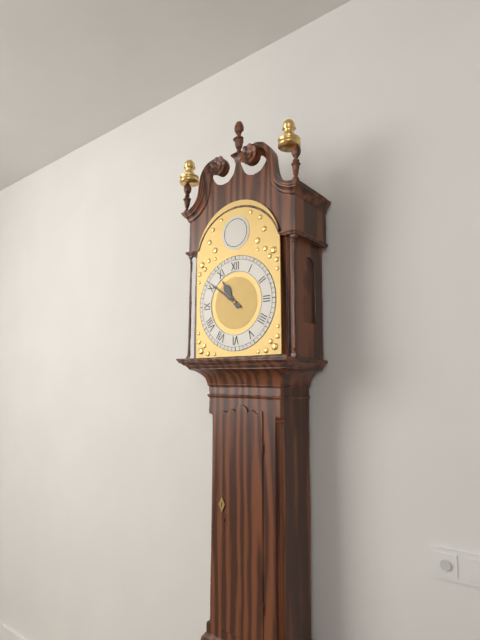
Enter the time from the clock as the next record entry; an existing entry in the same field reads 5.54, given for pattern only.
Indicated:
10.51
